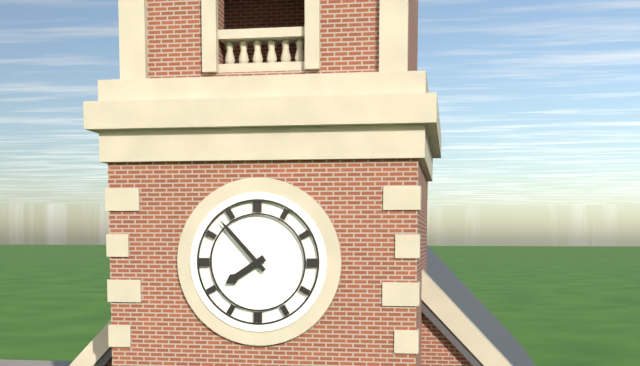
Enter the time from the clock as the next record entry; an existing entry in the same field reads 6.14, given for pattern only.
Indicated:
7.53
